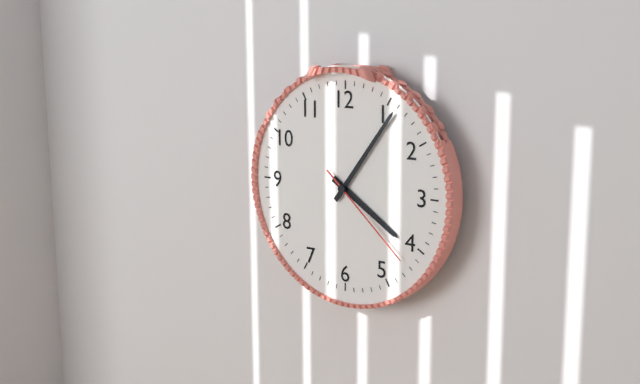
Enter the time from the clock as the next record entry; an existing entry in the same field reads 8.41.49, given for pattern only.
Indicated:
4.06.22
